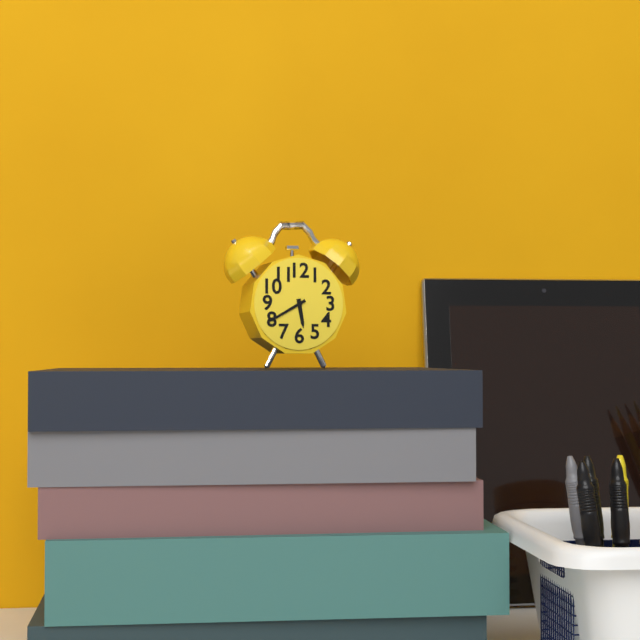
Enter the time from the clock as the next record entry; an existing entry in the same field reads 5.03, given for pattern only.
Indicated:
5.40
